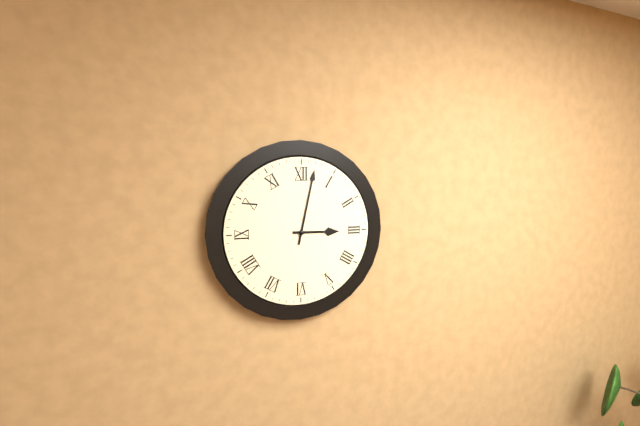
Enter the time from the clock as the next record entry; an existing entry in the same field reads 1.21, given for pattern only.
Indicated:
3.02
